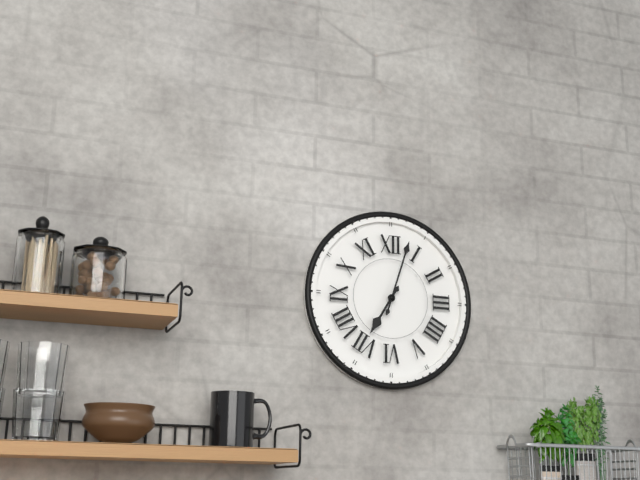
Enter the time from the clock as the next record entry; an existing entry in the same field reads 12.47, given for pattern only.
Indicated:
7.03
